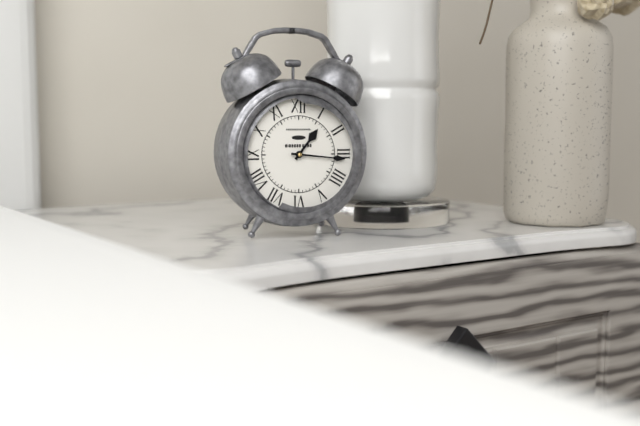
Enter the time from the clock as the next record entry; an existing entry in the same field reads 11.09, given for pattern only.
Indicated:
1.16
